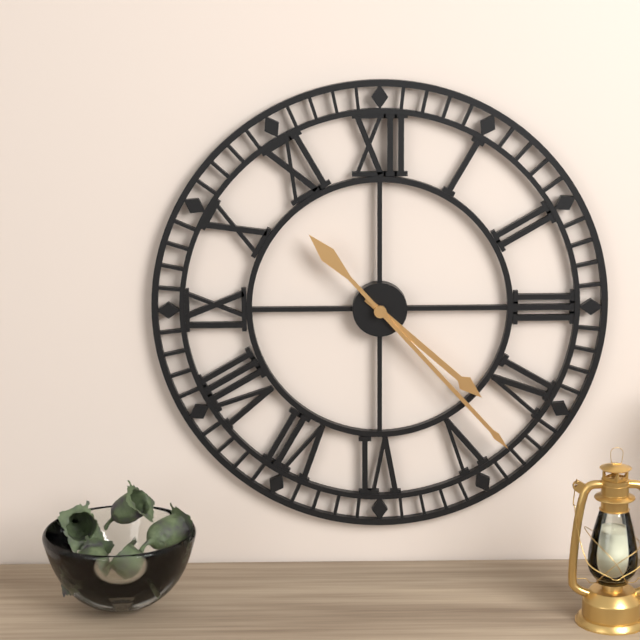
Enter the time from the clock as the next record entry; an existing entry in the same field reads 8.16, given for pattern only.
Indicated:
4.23
